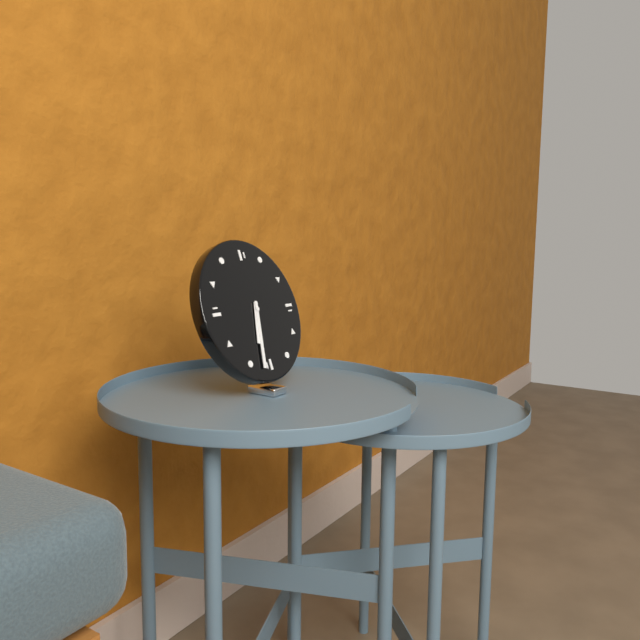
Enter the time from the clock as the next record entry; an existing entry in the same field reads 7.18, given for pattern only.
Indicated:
6.32
